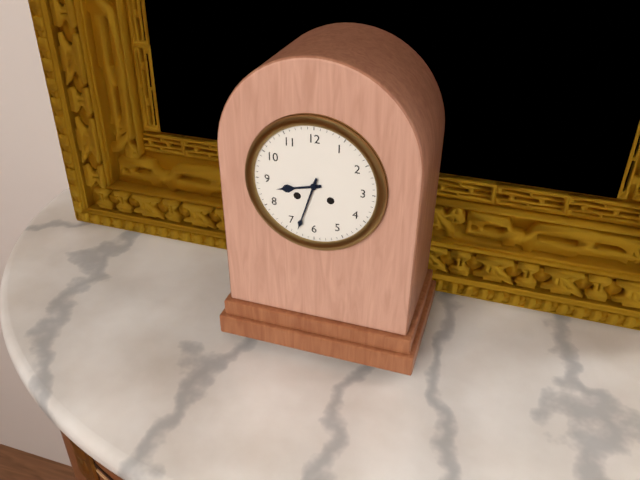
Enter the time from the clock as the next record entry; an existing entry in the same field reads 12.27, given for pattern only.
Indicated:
8.33
